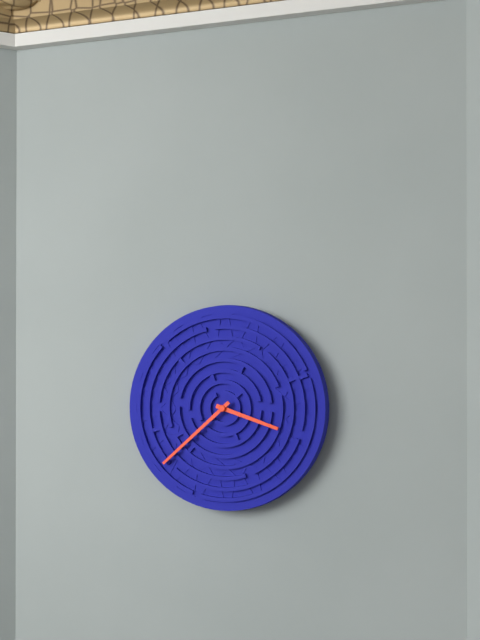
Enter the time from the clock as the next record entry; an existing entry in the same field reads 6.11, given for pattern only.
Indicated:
3.38
